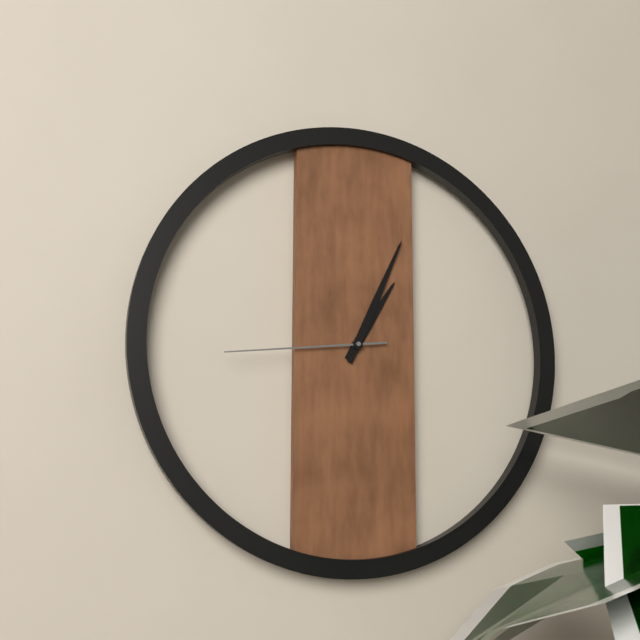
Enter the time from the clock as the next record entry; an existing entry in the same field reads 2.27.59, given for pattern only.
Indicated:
1.04.44
